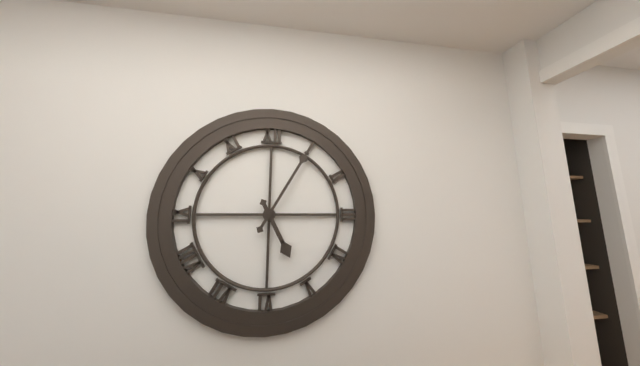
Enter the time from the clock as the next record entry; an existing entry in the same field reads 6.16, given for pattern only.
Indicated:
5.05
